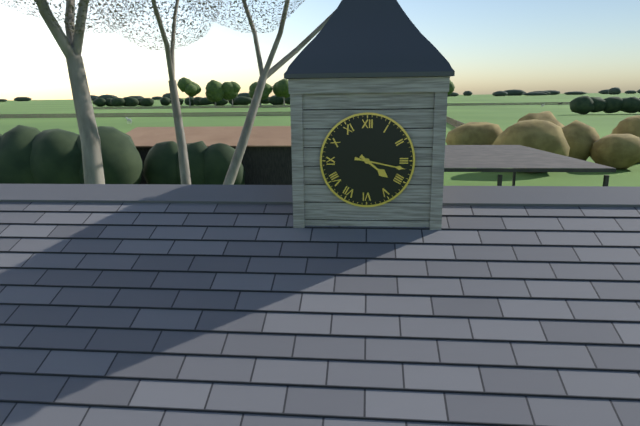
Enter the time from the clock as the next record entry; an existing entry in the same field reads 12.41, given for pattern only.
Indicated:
4.17
